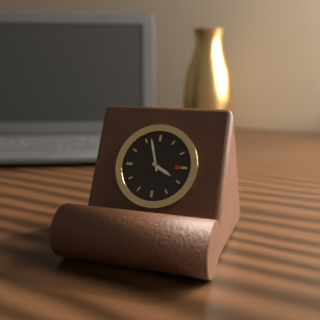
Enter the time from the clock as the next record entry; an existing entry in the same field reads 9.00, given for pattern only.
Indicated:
3.57
